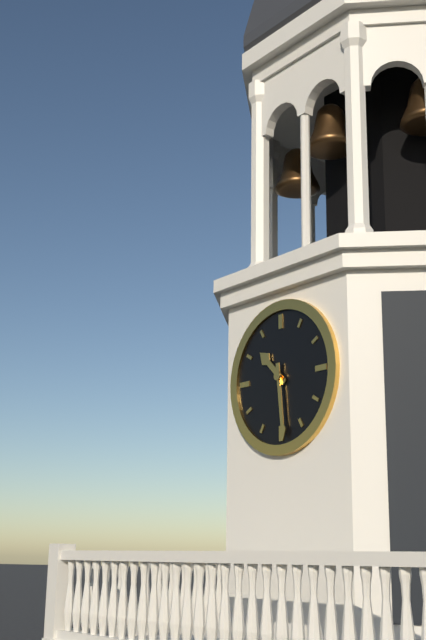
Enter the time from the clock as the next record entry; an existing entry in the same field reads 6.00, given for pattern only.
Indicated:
10.29
